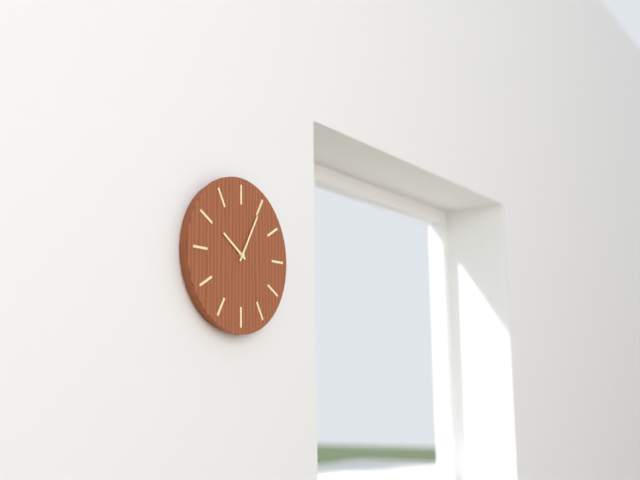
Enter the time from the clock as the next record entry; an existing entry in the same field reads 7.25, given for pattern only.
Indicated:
10.05
